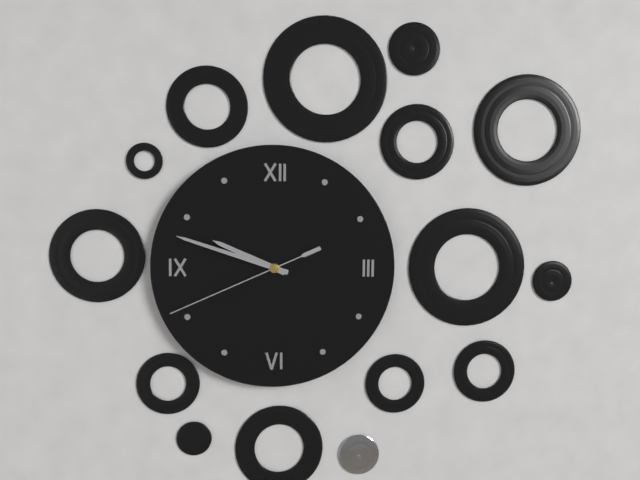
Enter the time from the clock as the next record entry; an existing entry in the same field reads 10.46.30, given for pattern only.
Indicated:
9.48.41
